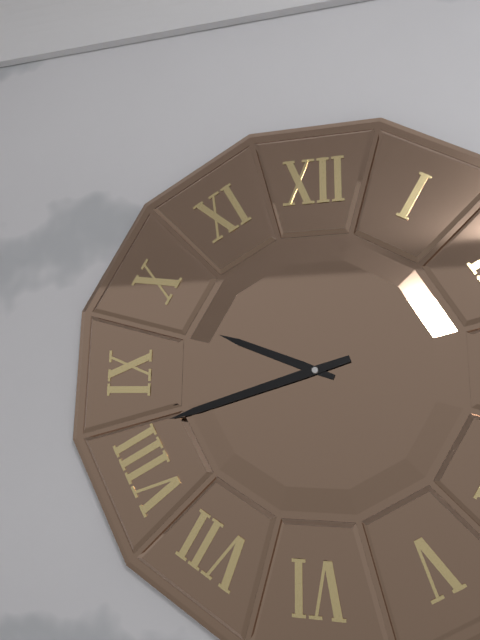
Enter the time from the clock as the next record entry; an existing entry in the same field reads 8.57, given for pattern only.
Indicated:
9.42
